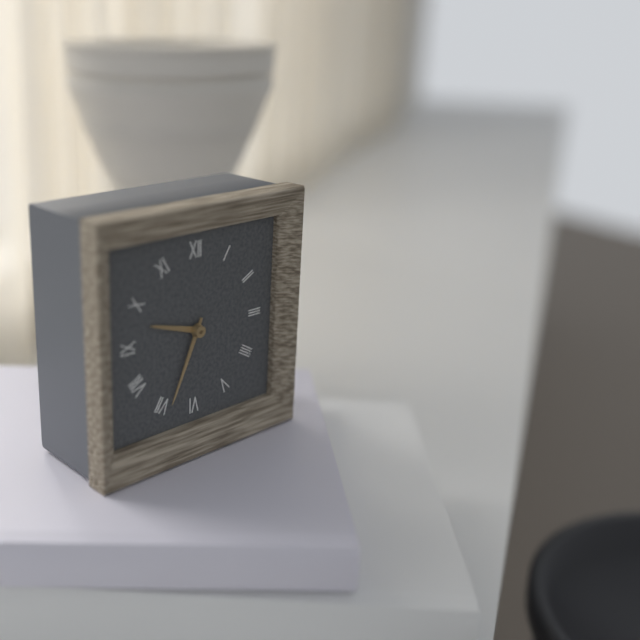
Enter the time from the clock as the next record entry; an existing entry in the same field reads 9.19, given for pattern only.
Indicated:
9.34
